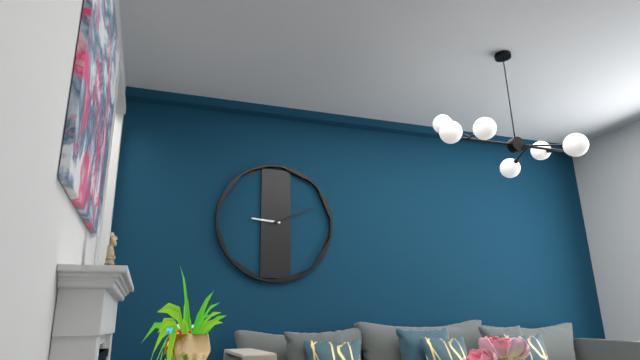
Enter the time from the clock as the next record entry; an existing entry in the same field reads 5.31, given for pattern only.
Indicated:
9.11
